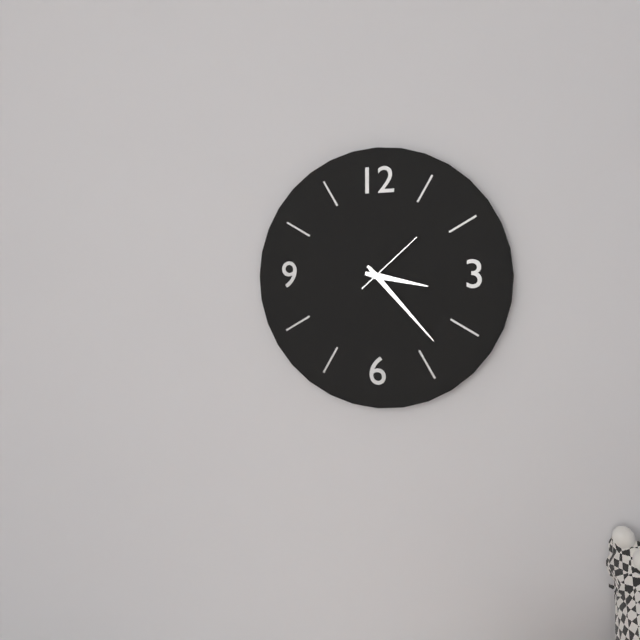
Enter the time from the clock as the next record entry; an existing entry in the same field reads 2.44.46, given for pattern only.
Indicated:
3.23.08
